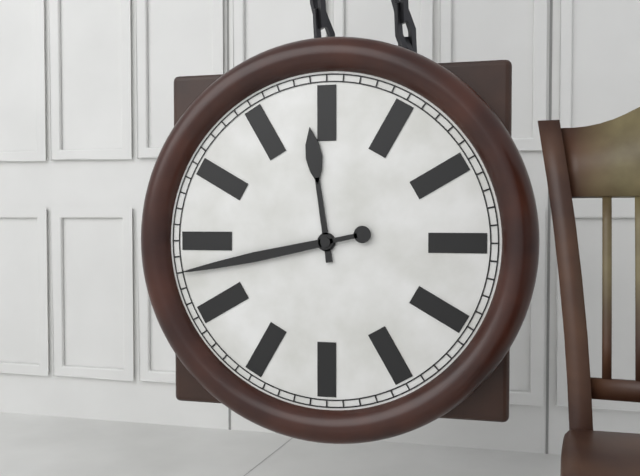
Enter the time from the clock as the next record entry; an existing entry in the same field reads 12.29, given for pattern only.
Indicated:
11.43
